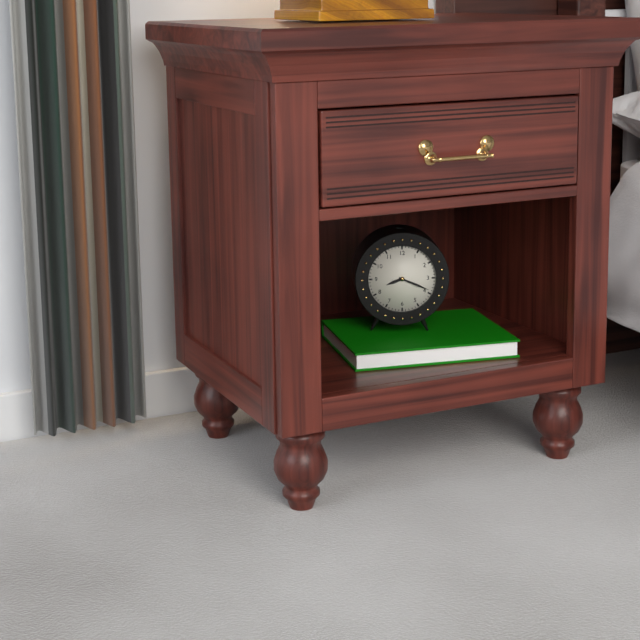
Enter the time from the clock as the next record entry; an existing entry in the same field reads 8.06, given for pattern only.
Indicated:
8.19
